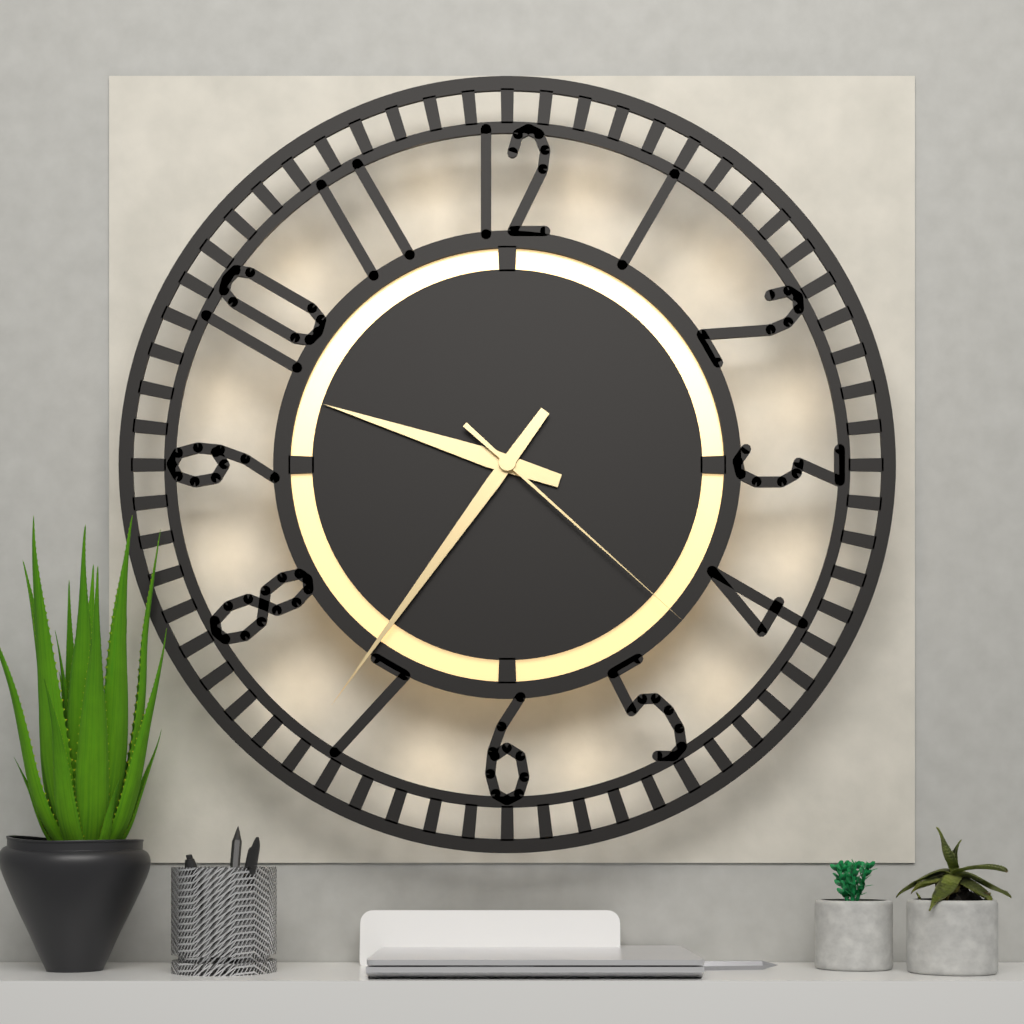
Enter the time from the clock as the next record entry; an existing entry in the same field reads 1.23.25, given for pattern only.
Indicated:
9.36.22
